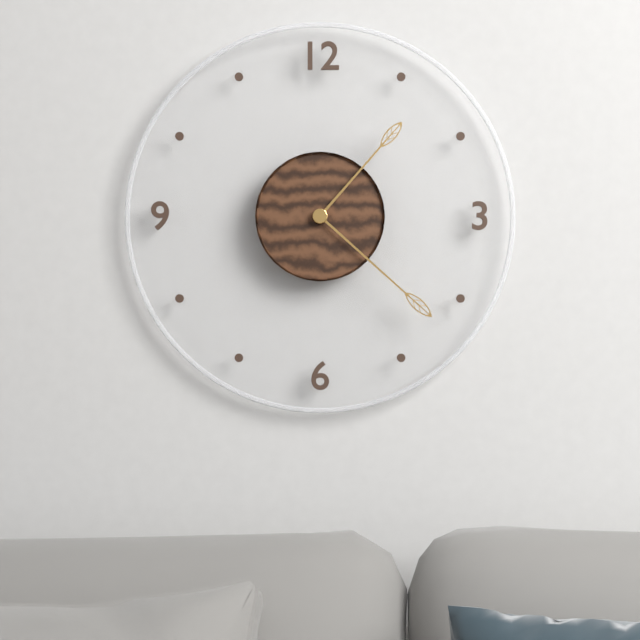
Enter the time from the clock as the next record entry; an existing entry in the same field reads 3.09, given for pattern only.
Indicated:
1.22
